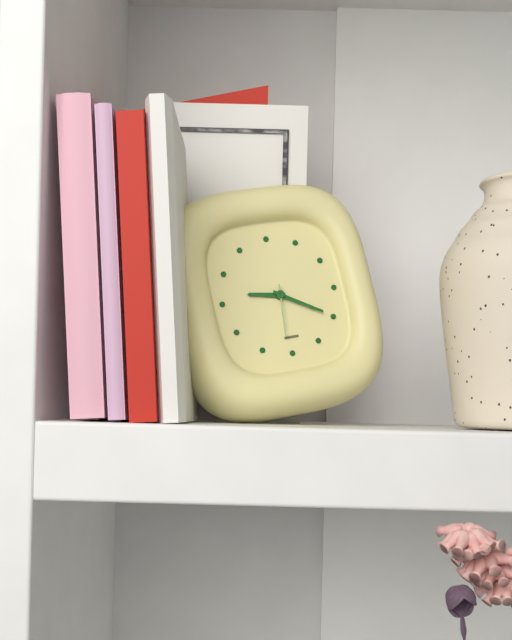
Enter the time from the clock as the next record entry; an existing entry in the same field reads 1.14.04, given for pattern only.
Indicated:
9.20.31
